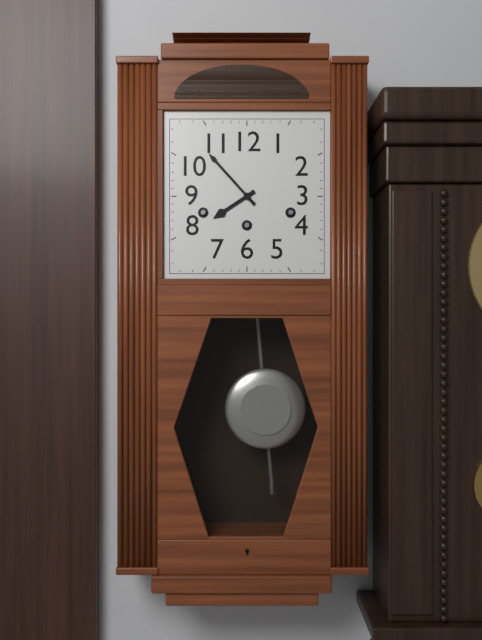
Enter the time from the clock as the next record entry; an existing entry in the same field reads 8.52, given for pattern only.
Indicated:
7.53
